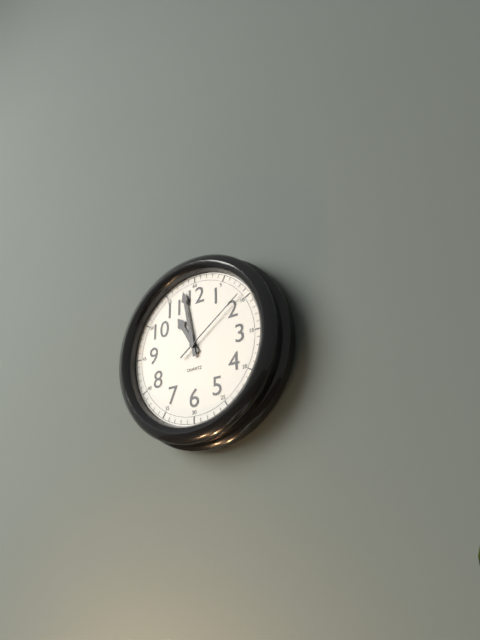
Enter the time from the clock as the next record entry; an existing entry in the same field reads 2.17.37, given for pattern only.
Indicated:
10.58.09
